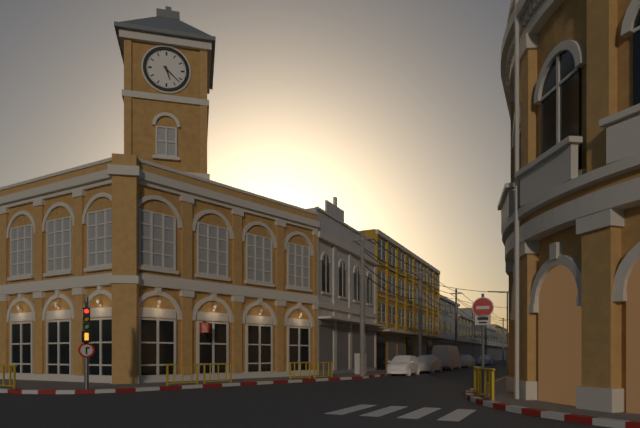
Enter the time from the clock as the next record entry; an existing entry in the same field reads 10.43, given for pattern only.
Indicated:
5.22
